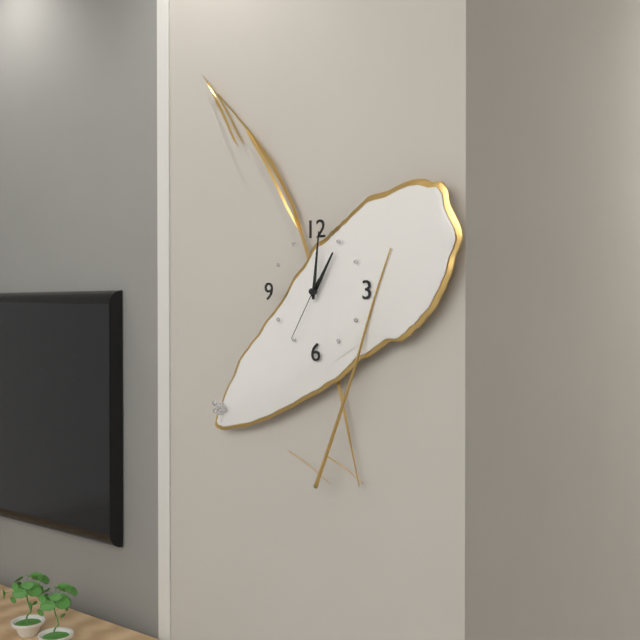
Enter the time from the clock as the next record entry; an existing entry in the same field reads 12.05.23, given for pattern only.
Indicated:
1.01.35
